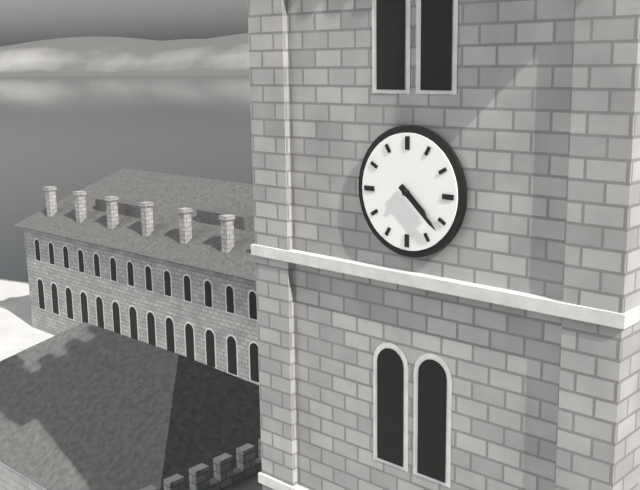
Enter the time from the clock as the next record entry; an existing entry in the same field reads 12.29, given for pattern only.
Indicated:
4.22
